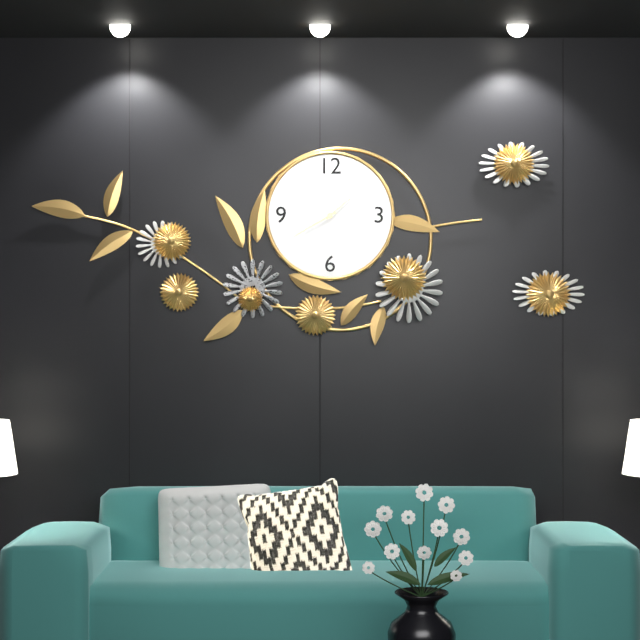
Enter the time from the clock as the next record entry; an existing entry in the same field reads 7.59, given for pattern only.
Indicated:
1.40
